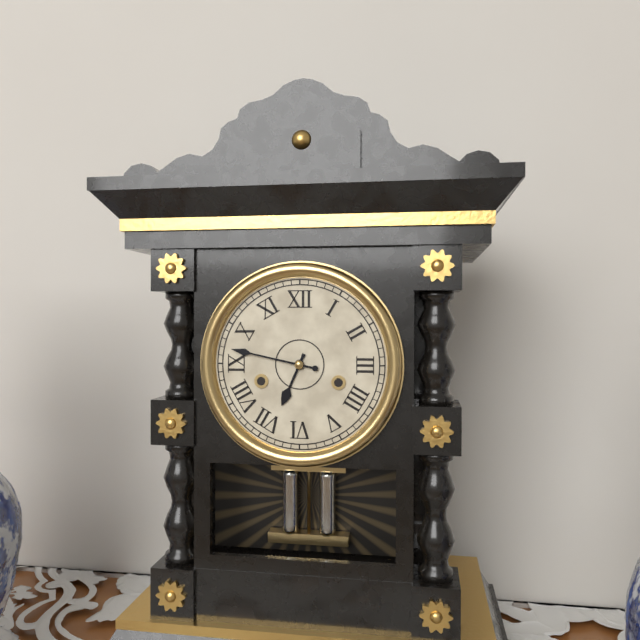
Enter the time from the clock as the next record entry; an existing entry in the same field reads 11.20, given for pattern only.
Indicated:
6.47
